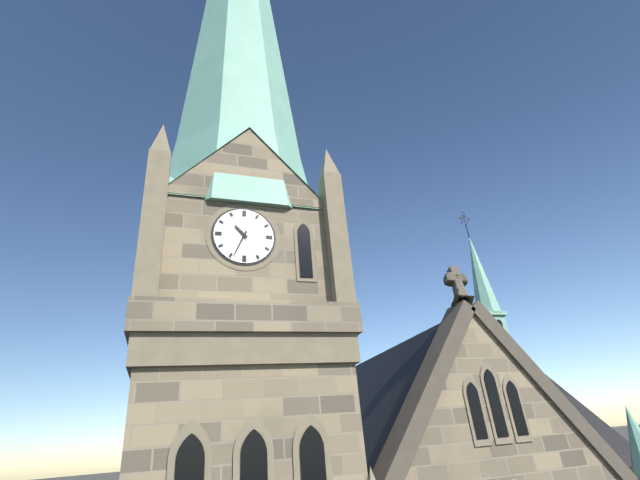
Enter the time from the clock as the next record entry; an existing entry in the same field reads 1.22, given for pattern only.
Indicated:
10.34
